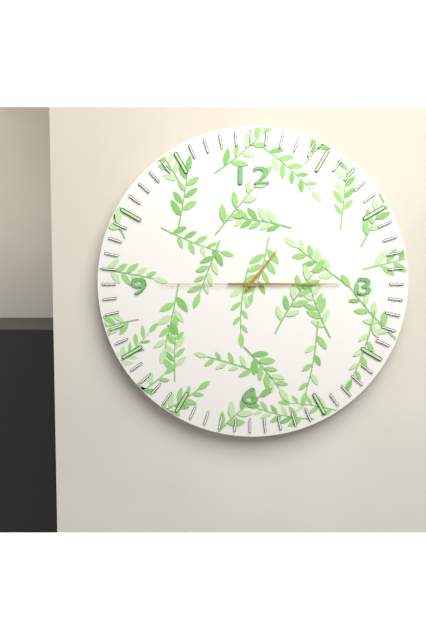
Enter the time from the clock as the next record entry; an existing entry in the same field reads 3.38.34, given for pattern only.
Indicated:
1.15.45
